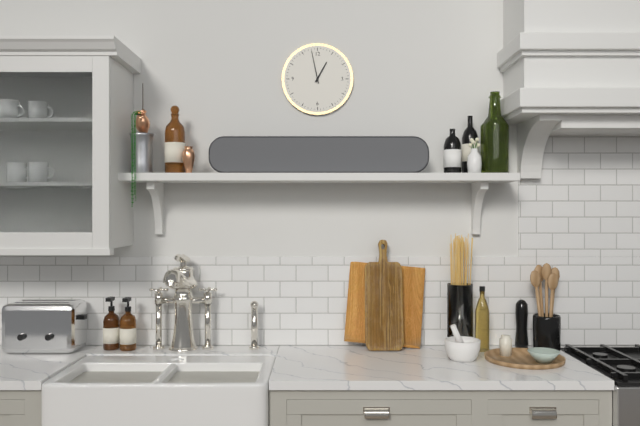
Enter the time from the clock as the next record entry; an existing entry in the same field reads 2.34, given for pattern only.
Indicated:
12.58
